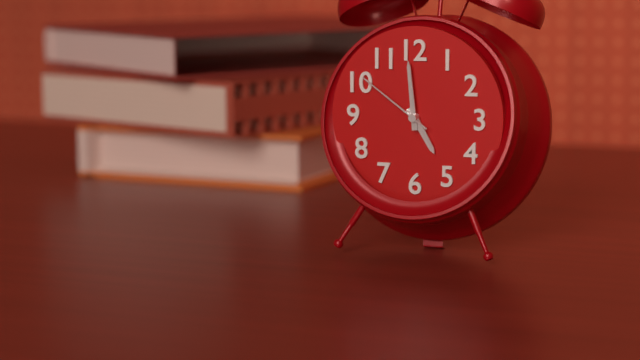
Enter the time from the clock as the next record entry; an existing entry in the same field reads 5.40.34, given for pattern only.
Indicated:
4.59.51
